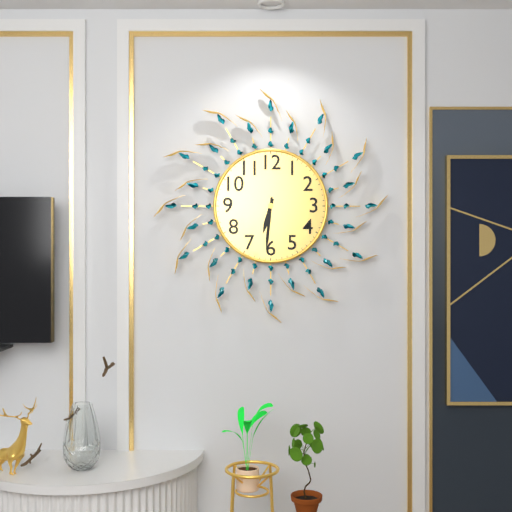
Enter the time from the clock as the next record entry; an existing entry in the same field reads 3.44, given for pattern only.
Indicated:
6.31
